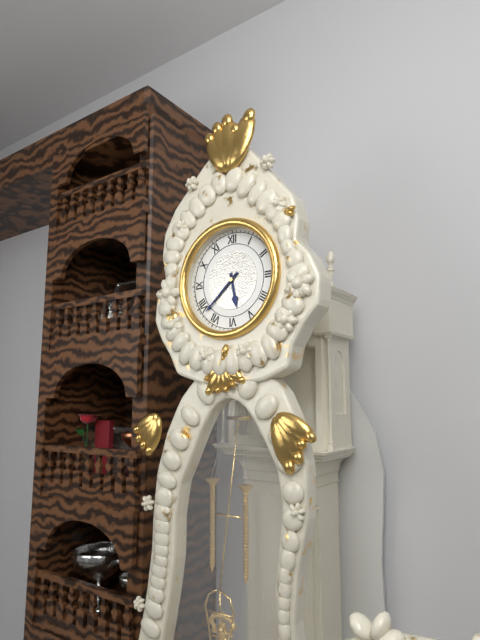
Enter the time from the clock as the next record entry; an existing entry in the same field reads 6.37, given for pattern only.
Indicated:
5.38
